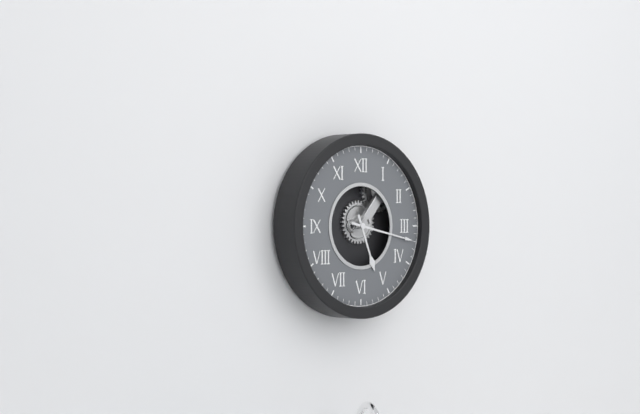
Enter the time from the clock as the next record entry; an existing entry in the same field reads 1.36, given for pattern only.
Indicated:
5.17
